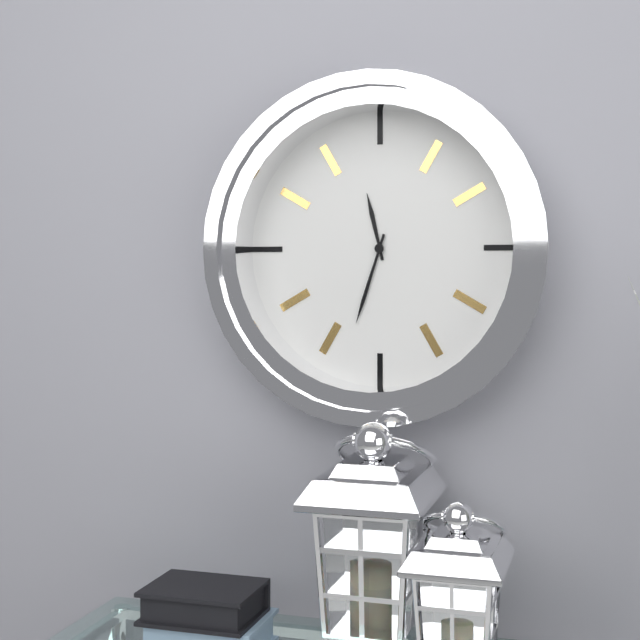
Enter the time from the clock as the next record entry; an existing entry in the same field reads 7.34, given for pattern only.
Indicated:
11.33
